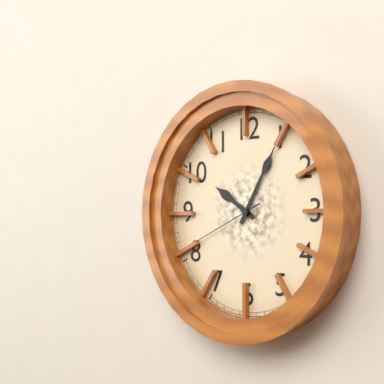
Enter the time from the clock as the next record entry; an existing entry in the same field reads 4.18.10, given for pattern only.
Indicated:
10.05.41
